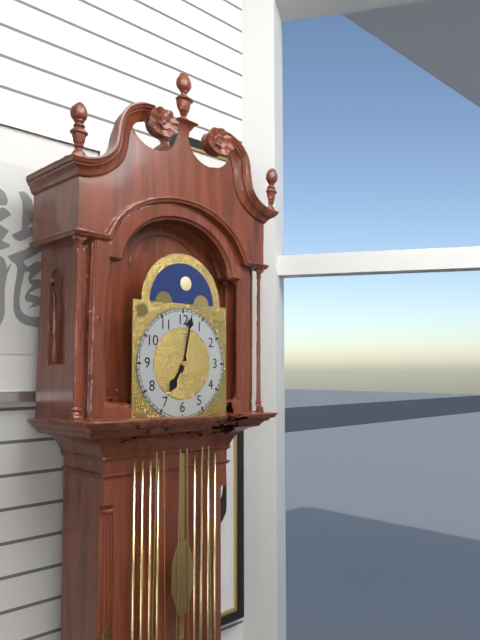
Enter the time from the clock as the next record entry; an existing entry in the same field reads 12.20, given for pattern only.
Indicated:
7.02
